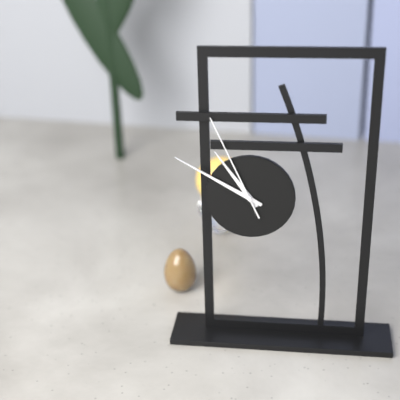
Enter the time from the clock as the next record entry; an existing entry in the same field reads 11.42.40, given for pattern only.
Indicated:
10.50.56
